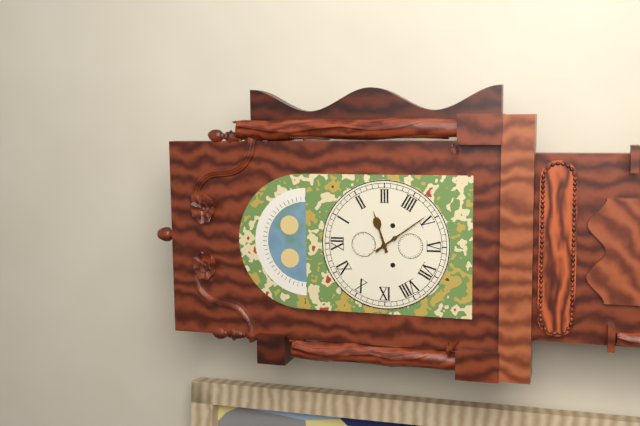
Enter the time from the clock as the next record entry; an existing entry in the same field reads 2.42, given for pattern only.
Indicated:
2.24
